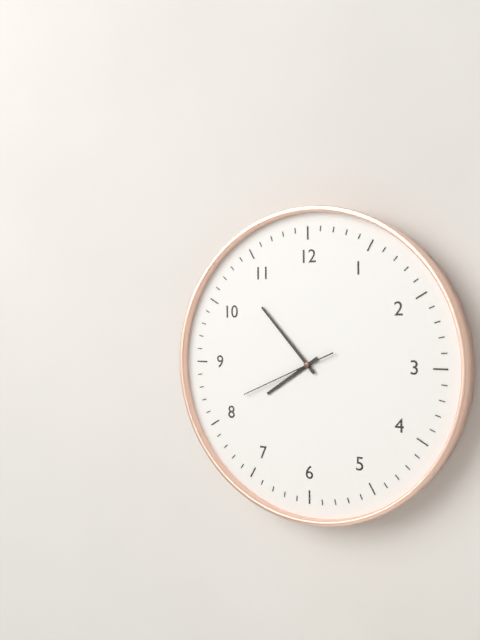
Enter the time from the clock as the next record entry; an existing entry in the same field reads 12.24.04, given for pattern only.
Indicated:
7.53.41
